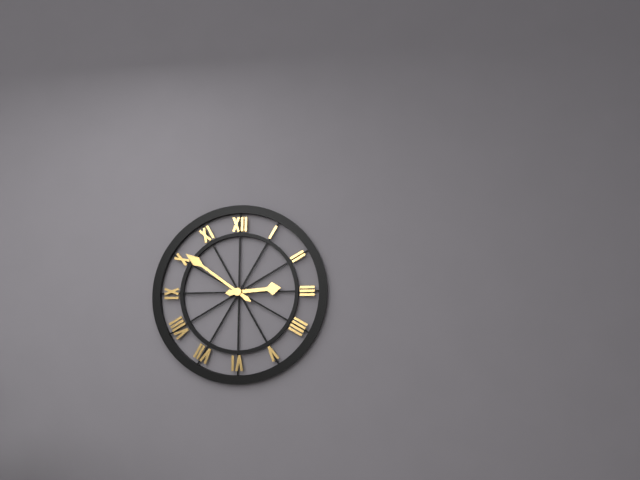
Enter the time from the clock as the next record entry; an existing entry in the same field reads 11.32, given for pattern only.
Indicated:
2.51
